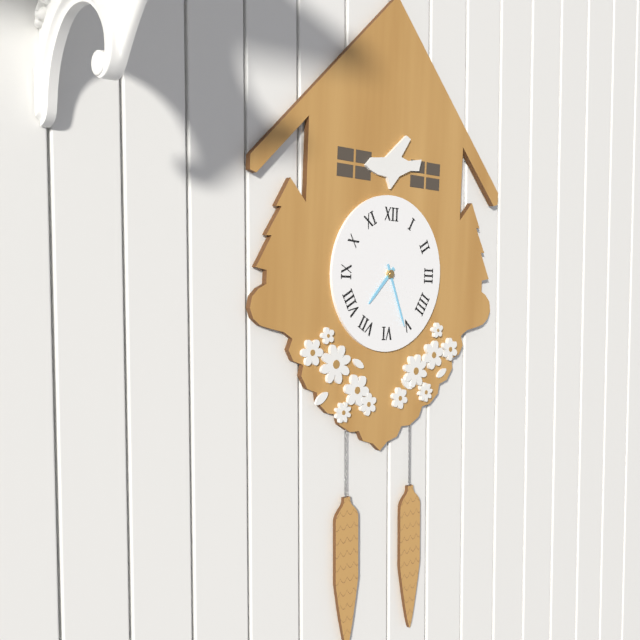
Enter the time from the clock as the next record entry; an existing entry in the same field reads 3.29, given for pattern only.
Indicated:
7.26
